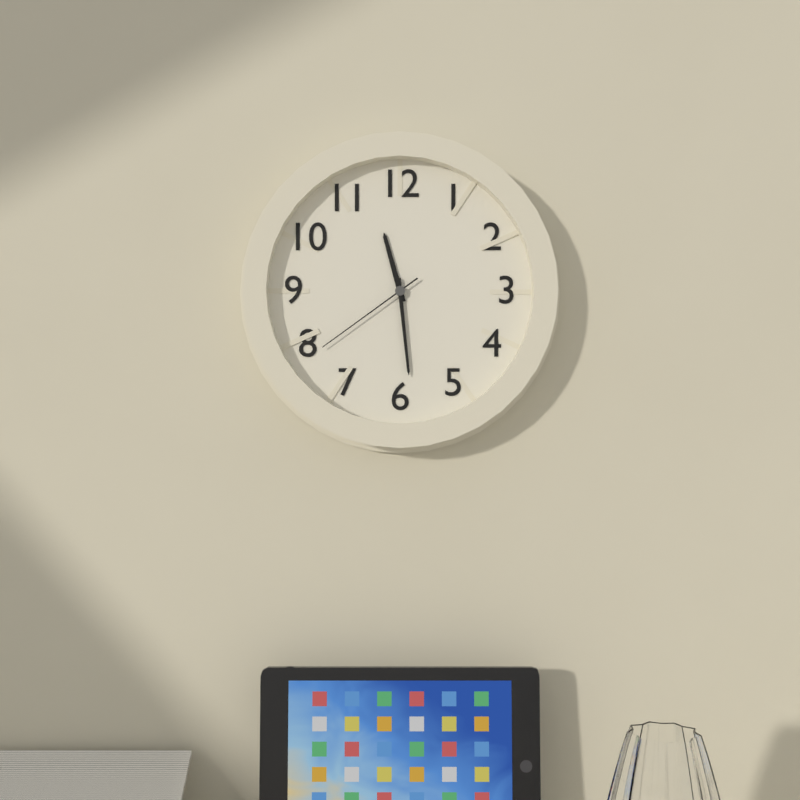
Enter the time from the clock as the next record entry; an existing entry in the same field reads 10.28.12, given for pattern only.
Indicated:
11.29.39
